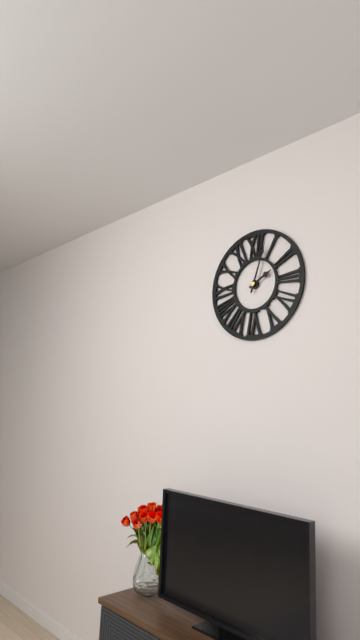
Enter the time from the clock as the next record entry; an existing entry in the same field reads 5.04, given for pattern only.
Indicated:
2.03
